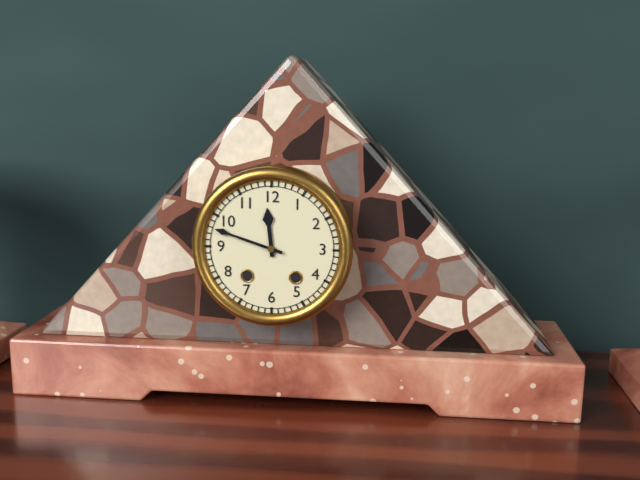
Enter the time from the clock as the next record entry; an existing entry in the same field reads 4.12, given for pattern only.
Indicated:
11.48
